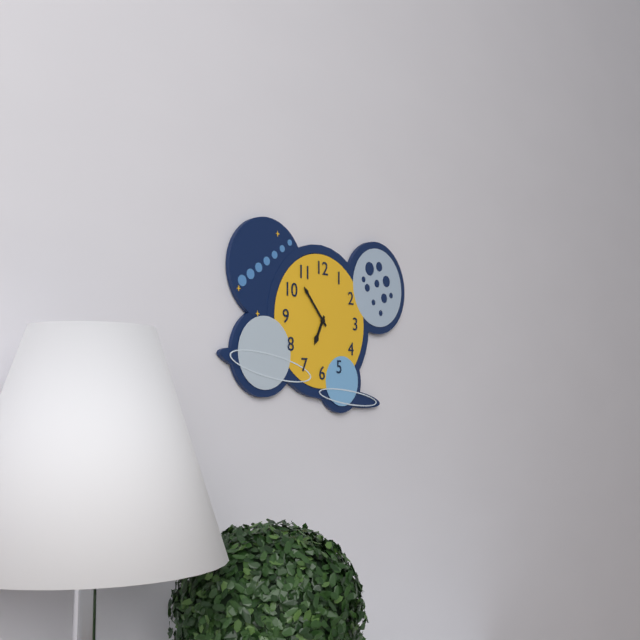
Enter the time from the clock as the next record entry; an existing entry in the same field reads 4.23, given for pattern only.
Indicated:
6.53
